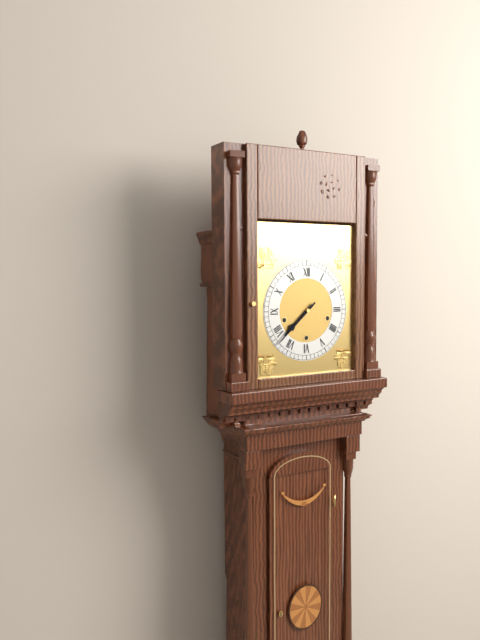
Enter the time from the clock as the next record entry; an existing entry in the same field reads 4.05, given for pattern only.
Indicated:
7.38
